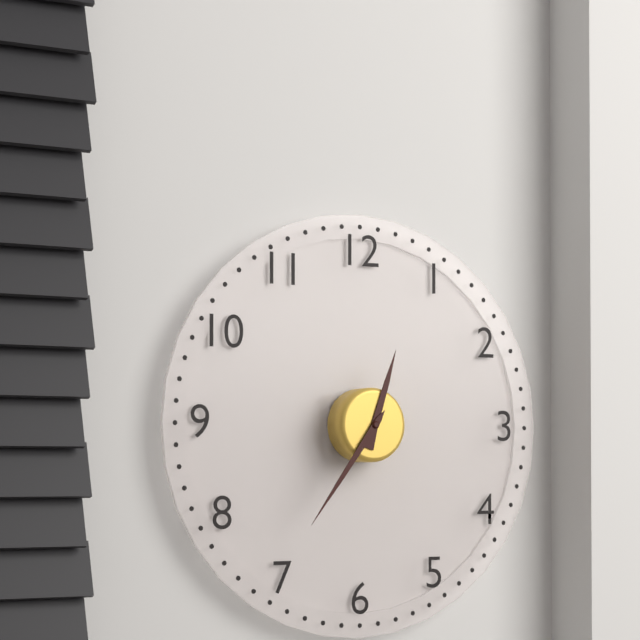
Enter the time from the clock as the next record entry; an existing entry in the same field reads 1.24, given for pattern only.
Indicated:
12.36
